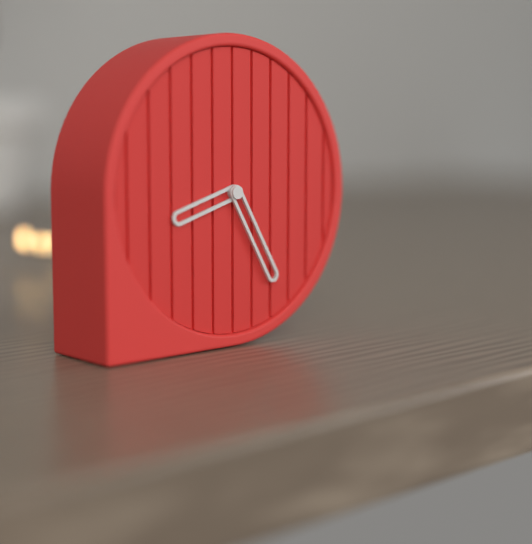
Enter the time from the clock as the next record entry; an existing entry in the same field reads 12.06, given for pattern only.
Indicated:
8.25
